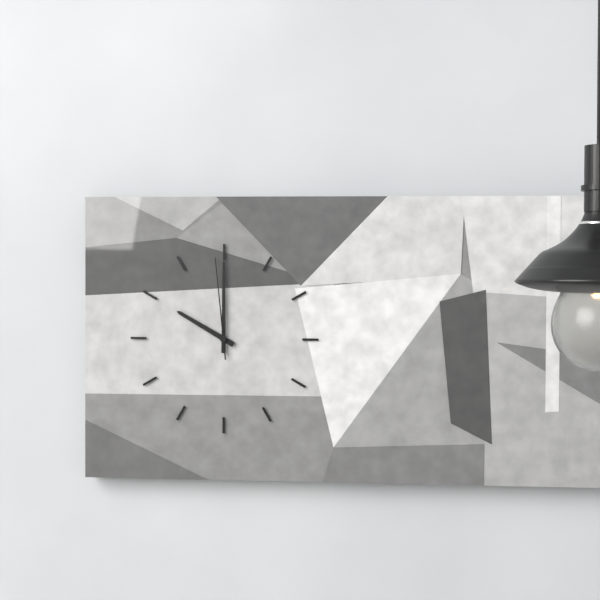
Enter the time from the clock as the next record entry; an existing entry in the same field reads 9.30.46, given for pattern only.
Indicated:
10.00.59
